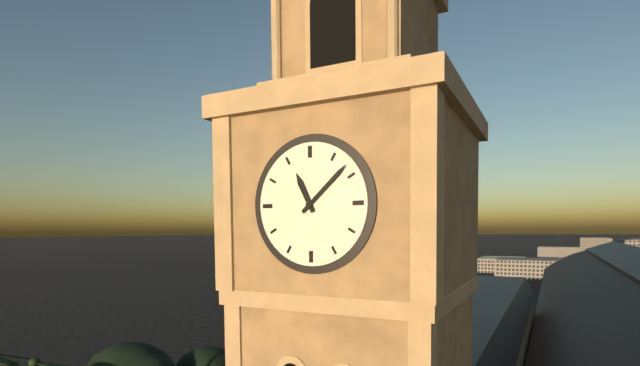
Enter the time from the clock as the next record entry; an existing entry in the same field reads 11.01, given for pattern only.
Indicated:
11.08
